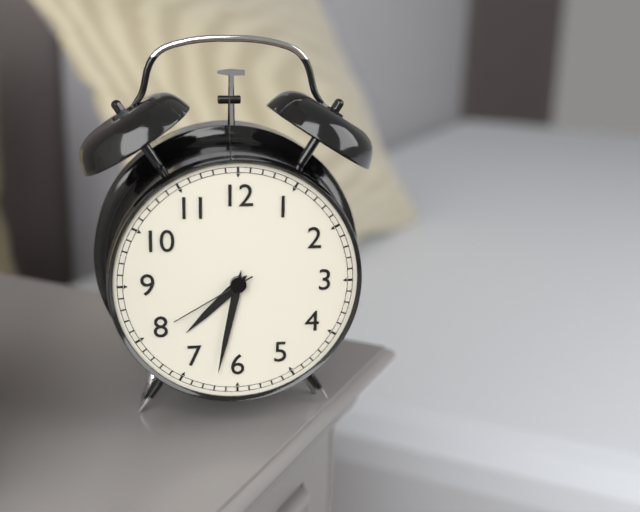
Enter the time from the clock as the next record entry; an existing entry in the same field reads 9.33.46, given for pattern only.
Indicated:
7.32.40
